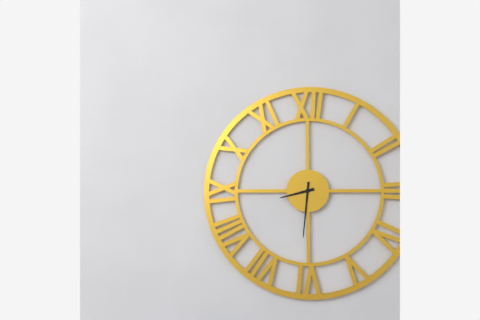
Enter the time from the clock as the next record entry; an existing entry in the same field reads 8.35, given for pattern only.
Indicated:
8.31
